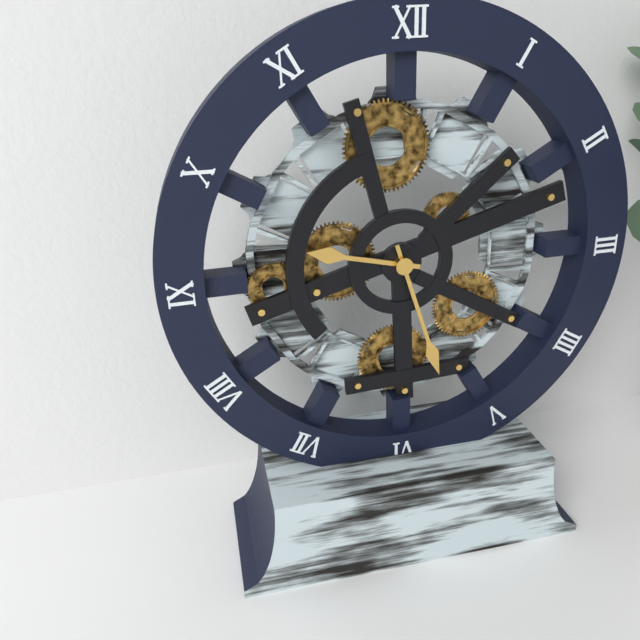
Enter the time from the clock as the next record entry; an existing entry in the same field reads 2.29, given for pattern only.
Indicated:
9.27
